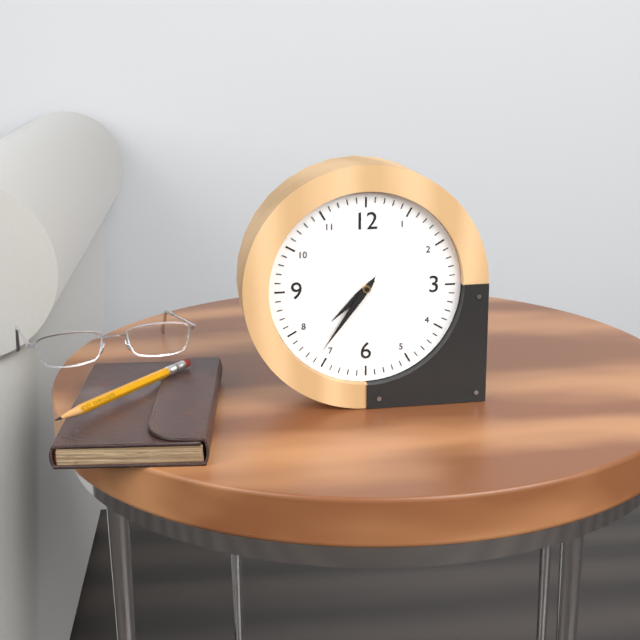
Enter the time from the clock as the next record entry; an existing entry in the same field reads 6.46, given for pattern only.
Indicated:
7.36
